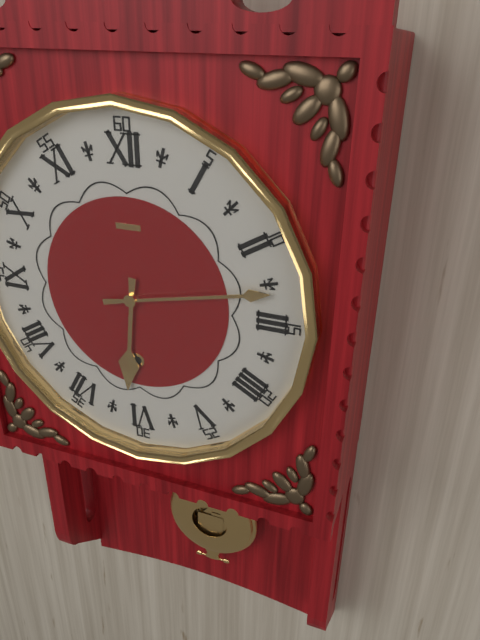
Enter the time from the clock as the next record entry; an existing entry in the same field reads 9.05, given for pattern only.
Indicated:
6.13
